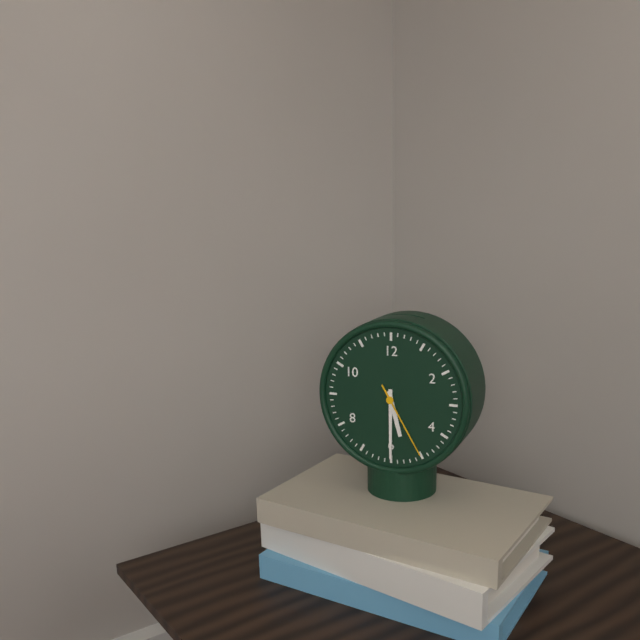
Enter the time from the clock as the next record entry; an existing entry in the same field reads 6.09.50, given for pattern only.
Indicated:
5.30.25
